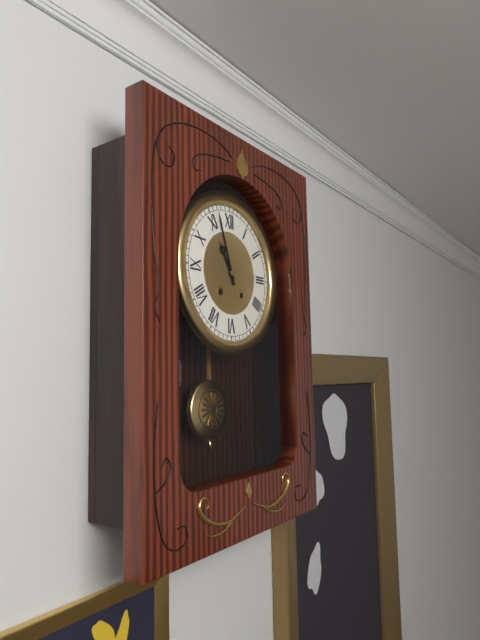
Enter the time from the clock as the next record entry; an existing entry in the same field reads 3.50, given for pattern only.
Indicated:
10.57
